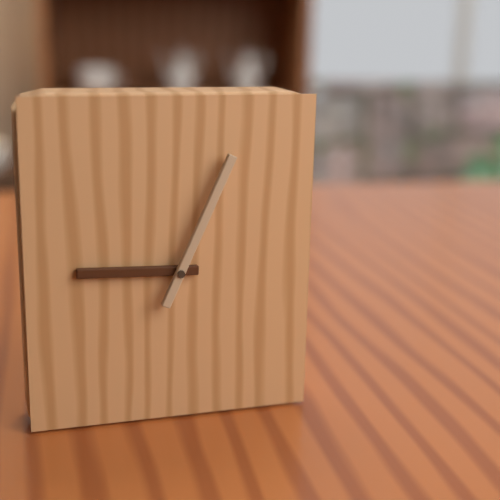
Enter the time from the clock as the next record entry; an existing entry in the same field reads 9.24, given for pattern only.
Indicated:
9.04
